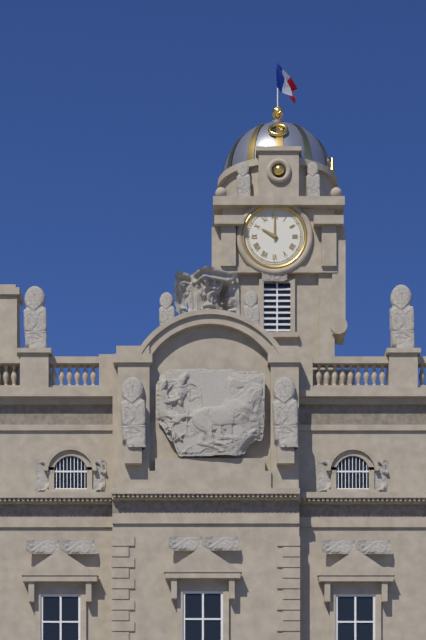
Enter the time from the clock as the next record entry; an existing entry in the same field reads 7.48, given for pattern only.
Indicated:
10.00
